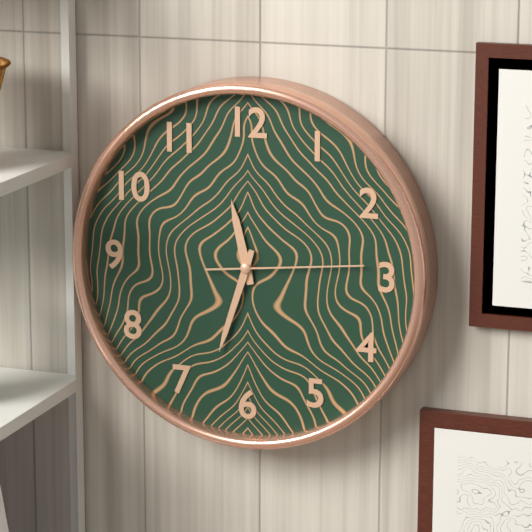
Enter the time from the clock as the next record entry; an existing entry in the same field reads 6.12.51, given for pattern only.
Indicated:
11.33.14
